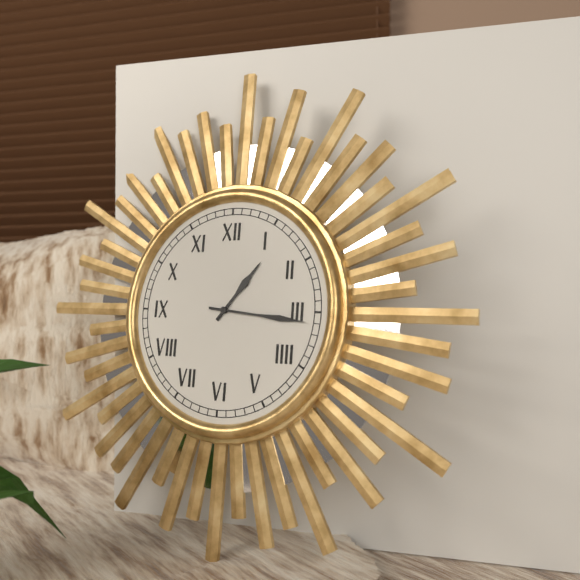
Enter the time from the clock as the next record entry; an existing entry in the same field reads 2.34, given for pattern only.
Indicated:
1.16
